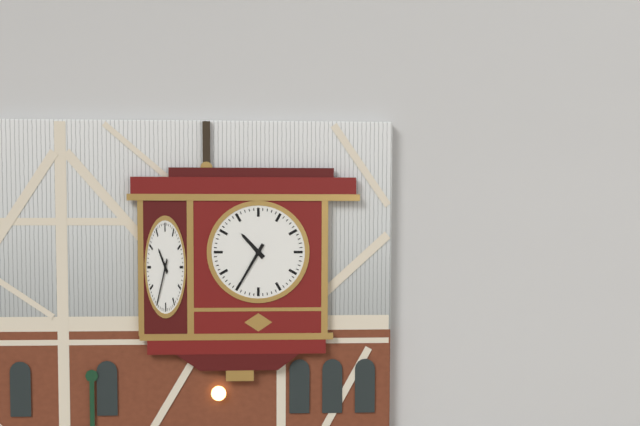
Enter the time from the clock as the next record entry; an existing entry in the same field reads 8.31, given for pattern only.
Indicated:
10.35
